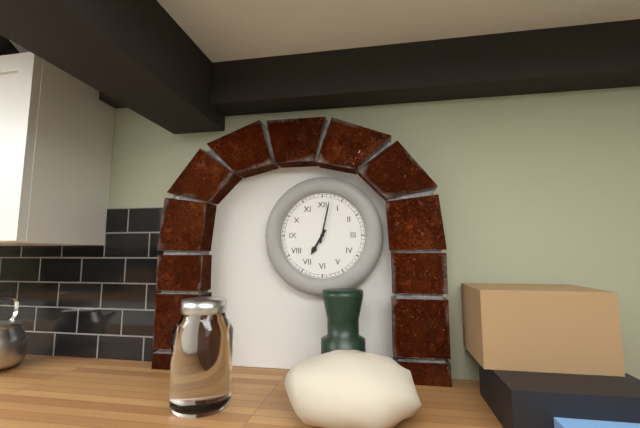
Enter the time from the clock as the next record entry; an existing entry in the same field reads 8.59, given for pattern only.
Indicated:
7.02
